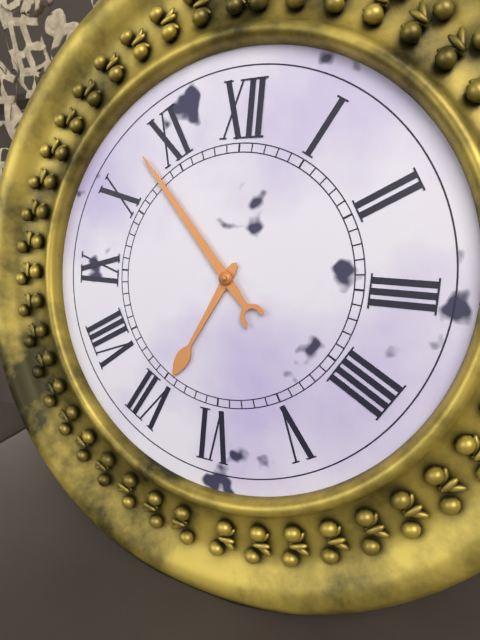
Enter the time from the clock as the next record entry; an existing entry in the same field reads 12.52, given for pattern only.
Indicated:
6.53
